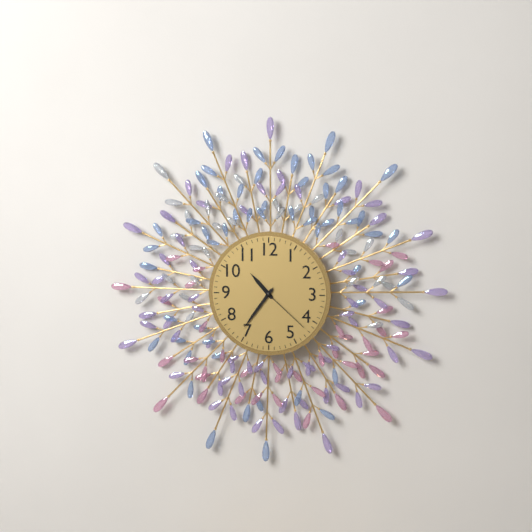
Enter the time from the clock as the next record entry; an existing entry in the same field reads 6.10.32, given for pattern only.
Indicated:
10.36.22
